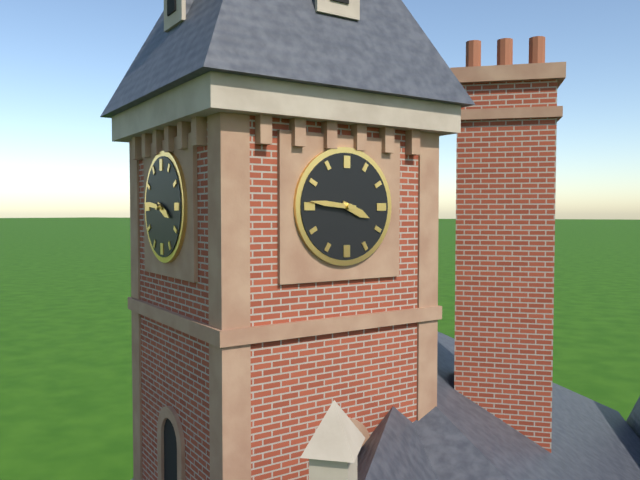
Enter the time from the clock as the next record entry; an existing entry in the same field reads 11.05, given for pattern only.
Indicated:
3.46
